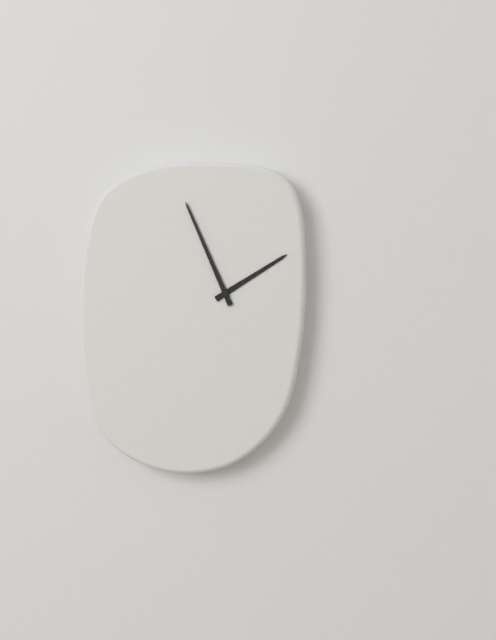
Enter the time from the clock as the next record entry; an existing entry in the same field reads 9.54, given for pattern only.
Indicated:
1.56
